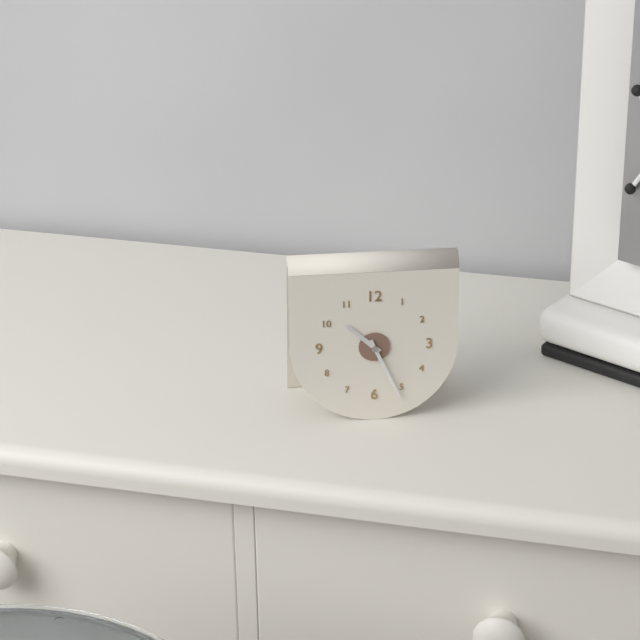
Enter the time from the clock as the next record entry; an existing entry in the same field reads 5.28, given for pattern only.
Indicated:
10.26
